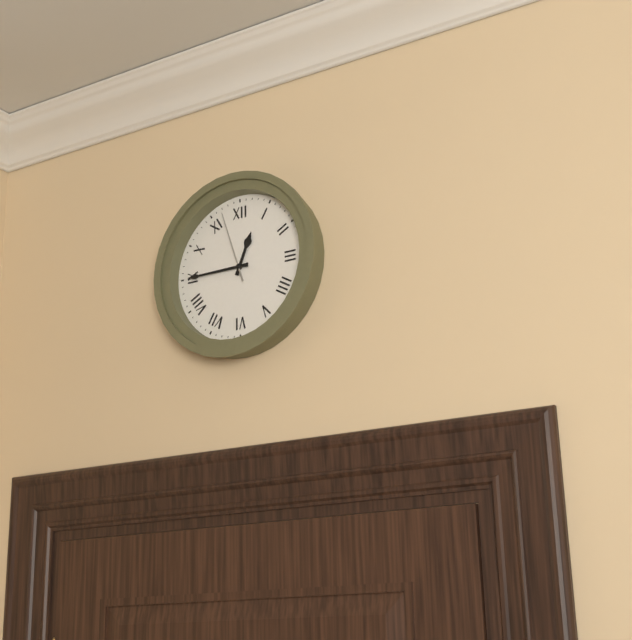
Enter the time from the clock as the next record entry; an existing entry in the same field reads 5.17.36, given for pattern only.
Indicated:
12.45.57
